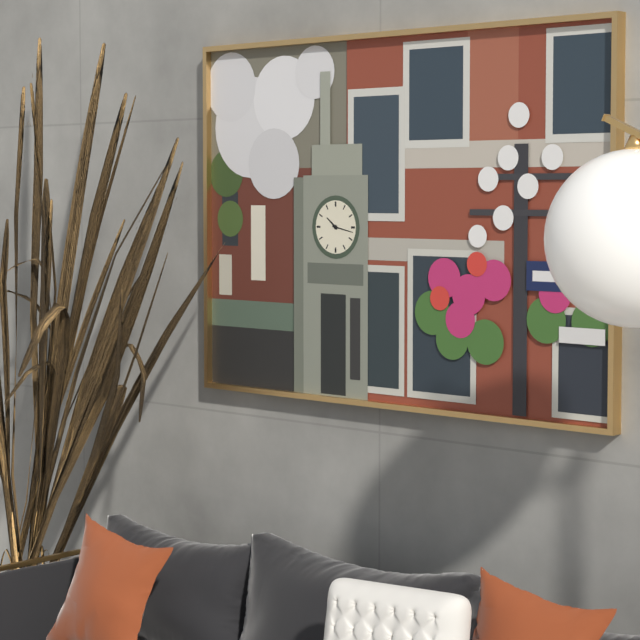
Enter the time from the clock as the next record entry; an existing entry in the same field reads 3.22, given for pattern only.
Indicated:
10.17
